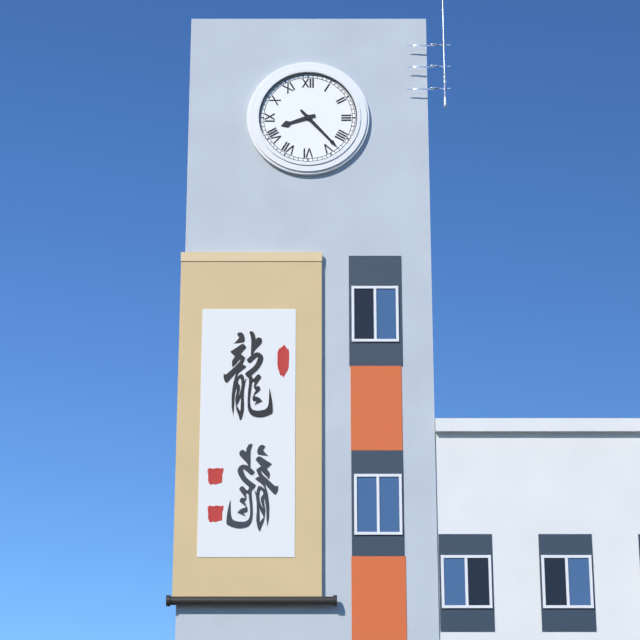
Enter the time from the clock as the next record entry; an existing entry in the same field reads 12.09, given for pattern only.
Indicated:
8.23
